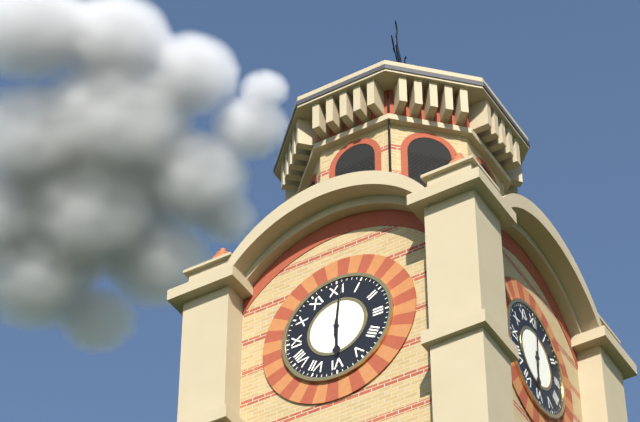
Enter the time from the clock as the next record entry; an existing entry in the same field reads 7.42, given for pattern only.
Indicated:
6.01
